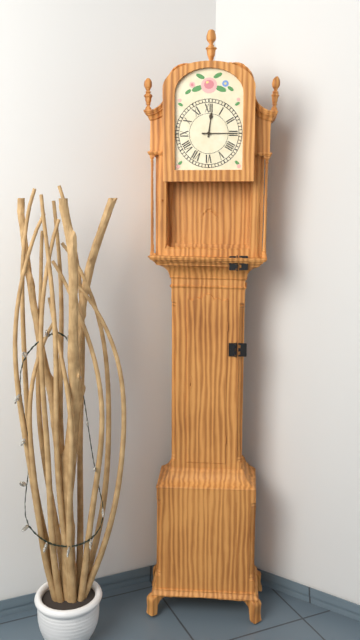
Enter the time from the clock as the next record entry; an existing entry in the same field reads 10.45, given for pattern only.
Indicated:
12.15
